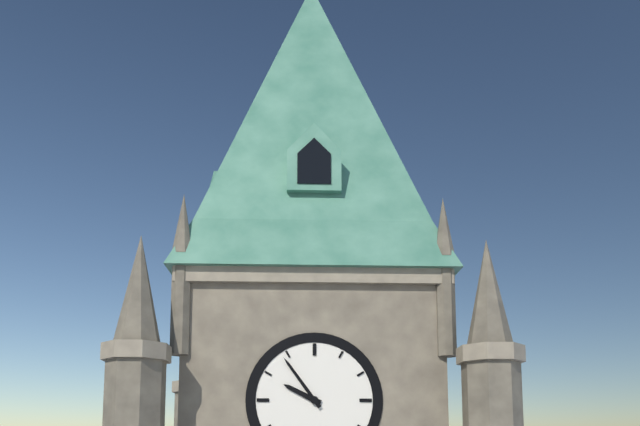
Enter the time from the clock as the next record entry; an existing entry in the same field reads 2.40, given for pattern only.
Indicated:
9.54
